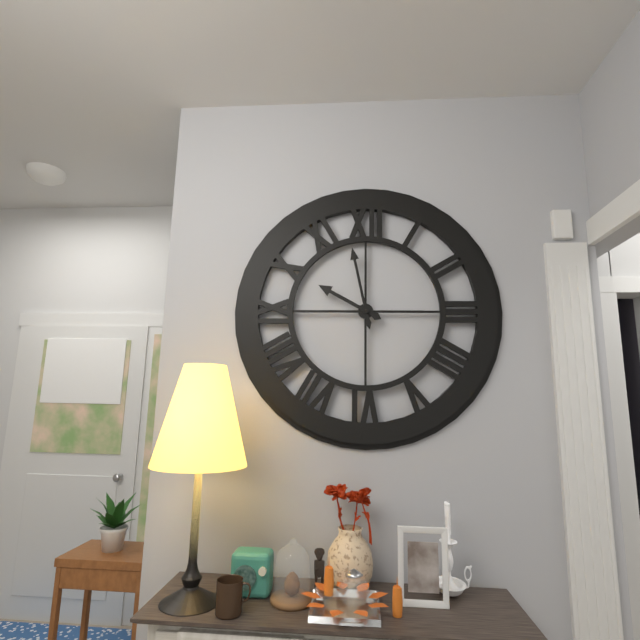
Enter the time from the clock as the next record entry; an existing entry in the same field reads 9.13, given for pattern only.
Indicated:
9.58
